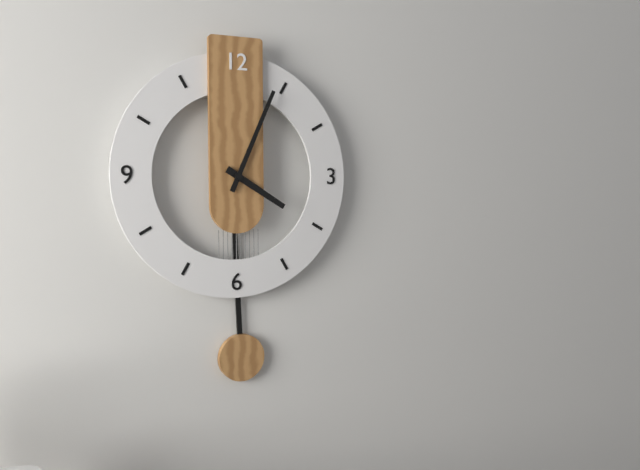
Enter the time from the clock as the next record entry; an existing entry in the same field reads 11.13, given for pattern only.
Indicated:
4.04
